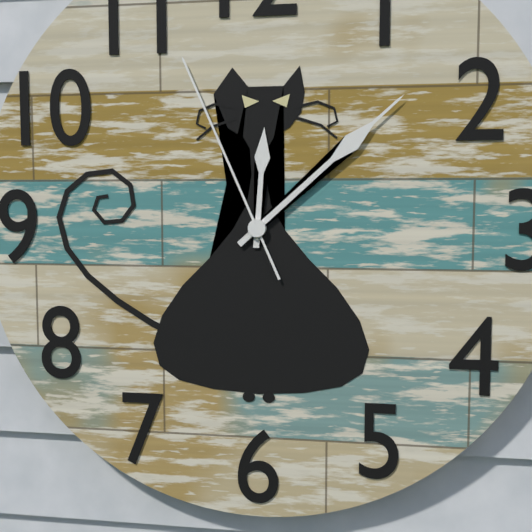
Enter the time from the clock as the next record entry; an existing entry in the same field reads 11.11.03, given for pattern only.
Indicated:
12.08.56
